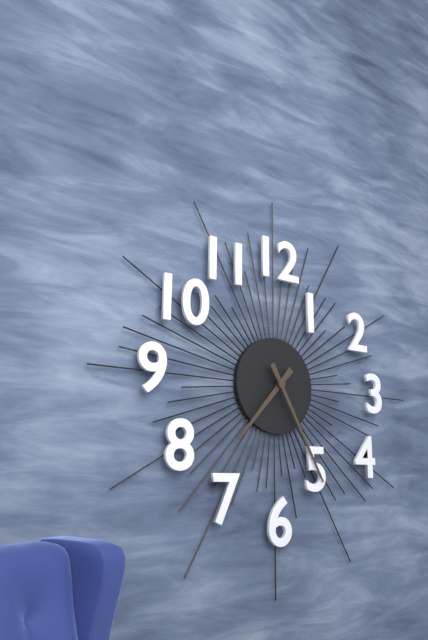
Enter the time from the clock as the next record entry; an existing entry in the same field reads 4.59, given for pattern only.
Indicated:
7.25
